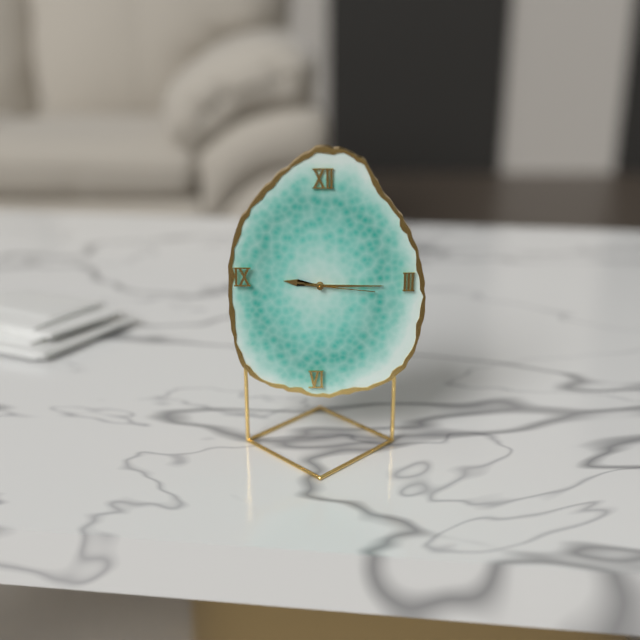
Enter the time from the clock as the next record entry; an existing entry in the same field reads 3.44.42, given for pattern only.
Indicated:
9.15.16
